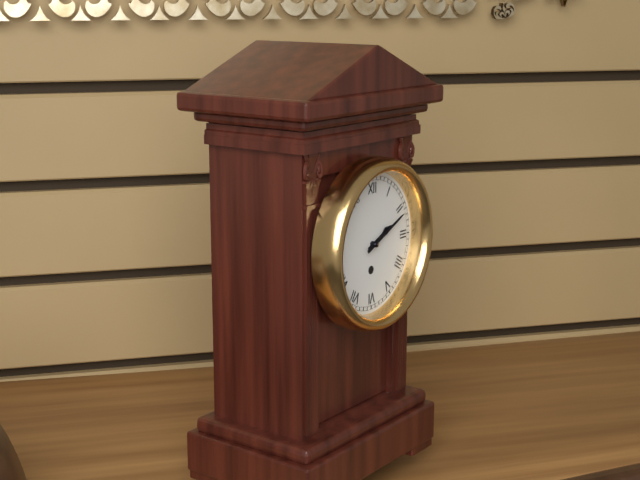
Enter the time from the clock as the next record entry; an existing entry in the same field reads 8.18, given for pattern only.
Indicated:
2.11
